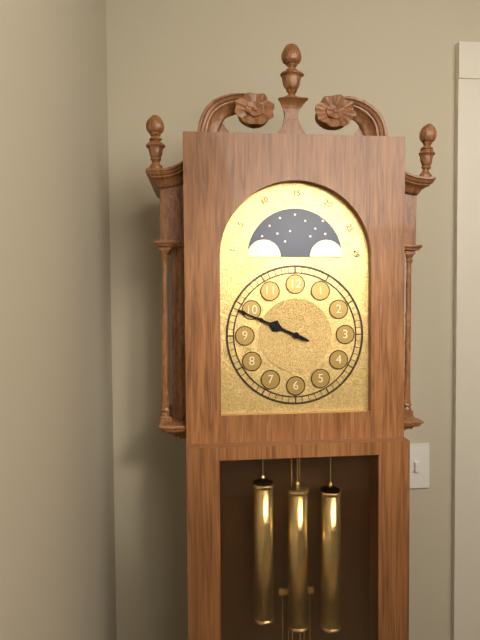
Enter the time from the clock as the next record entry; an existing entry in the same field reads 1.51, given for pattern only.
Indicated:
9.49
